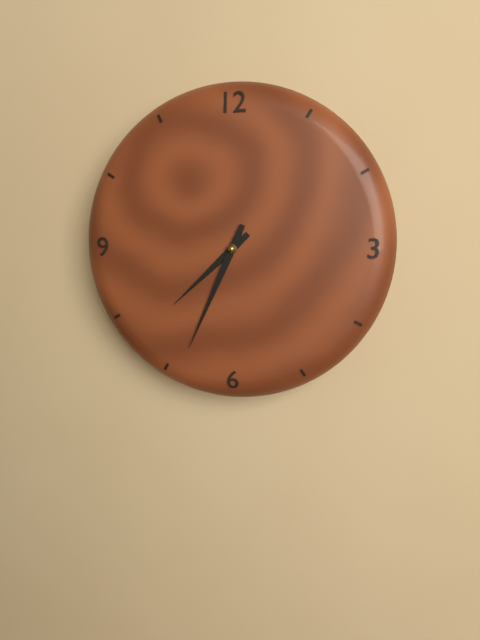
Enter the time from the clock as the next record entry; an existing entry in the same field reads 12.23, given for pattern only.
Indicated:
7.34
